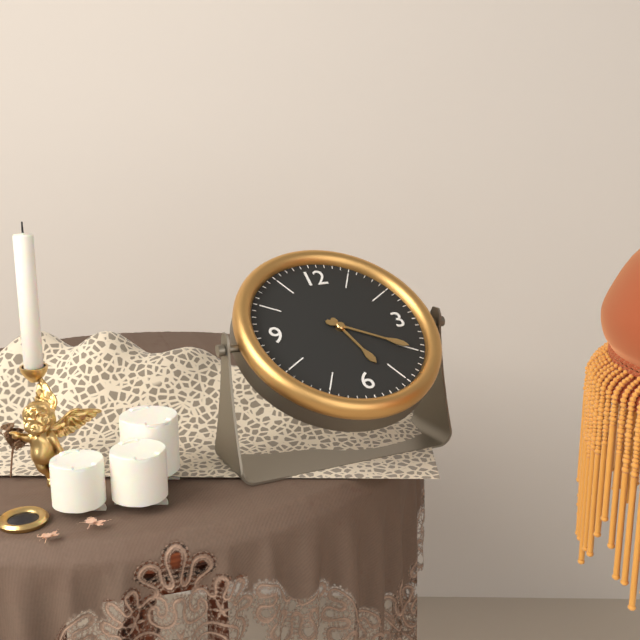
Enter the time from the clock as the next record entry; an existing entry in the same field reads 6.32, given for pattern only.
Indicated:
5.20
